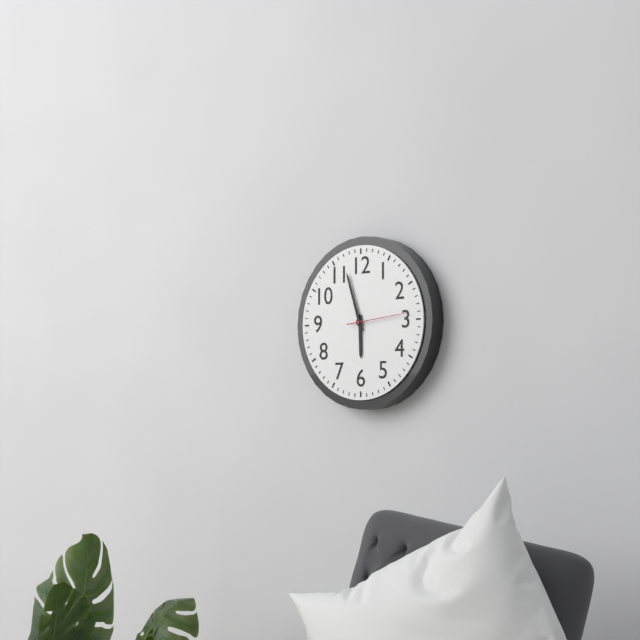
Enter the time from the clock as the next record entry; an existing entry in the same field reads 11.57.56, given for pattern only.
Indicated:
5.57.14
